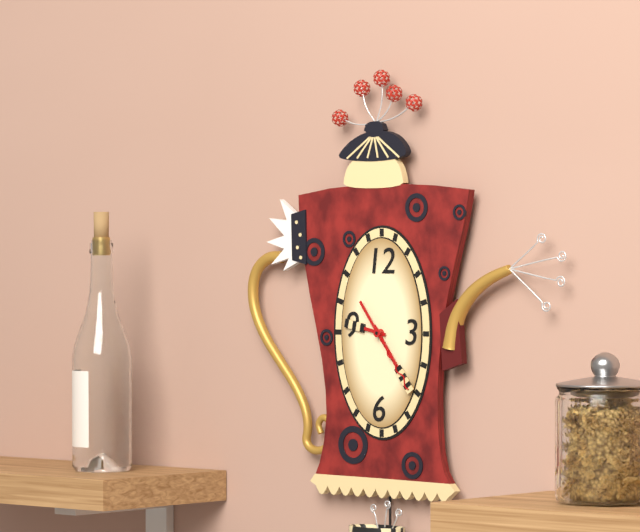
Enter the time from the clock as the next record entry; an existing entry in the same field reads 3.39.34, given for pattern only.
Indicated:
9.24.24
